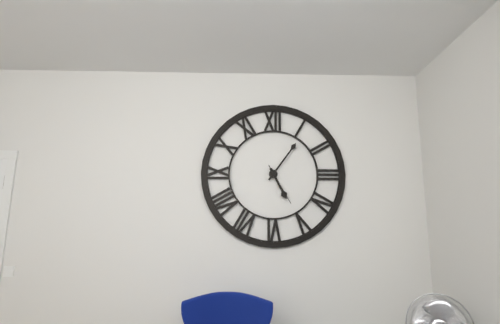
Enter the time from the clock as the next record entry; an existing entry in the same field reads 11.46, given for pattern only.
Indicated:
5.06
